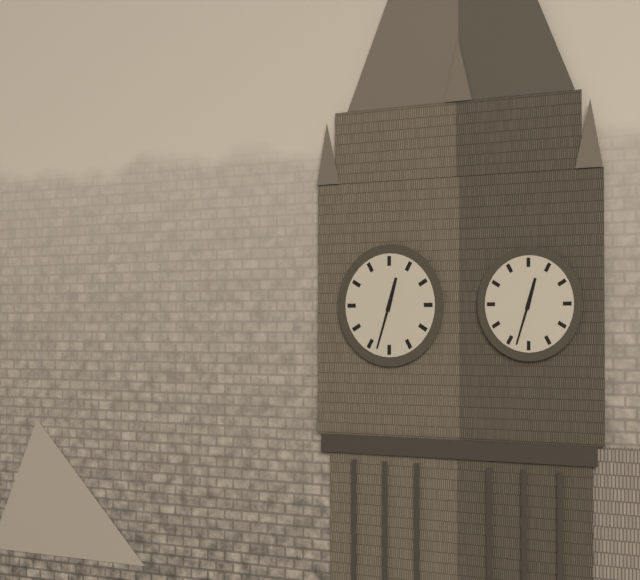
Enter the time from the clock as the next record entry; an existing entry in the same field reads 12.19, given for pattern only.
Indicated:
12.33
